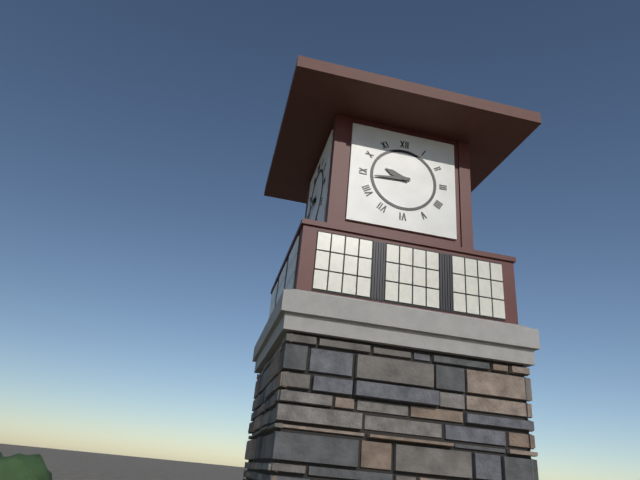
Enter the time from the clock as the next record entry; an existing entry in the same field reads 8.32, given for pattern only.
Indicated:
9.44
